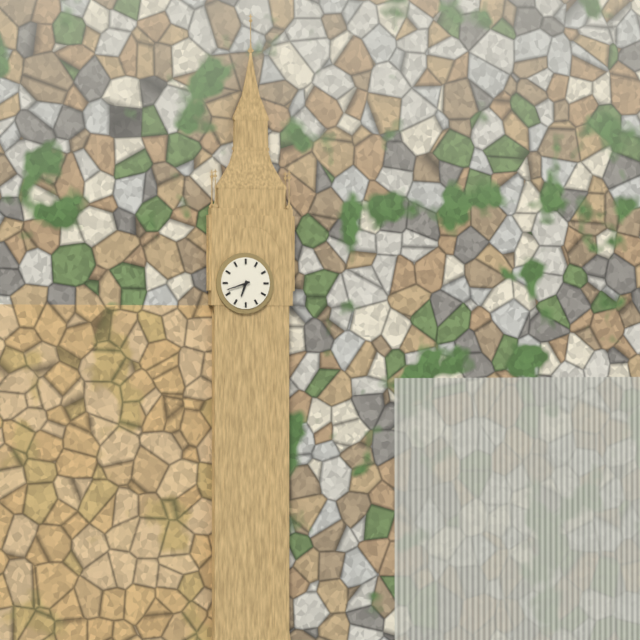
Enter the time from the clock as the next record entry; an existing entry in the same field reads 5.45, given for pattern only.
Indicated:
6.42
